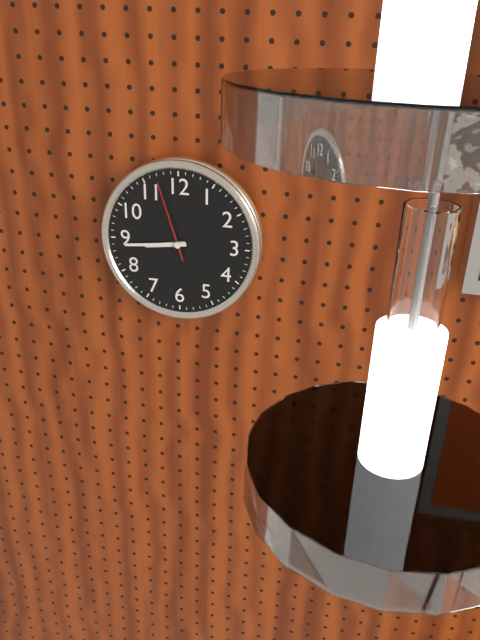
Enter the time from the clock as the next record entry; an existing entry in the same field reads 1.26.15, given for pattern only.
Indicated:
8.44.57
